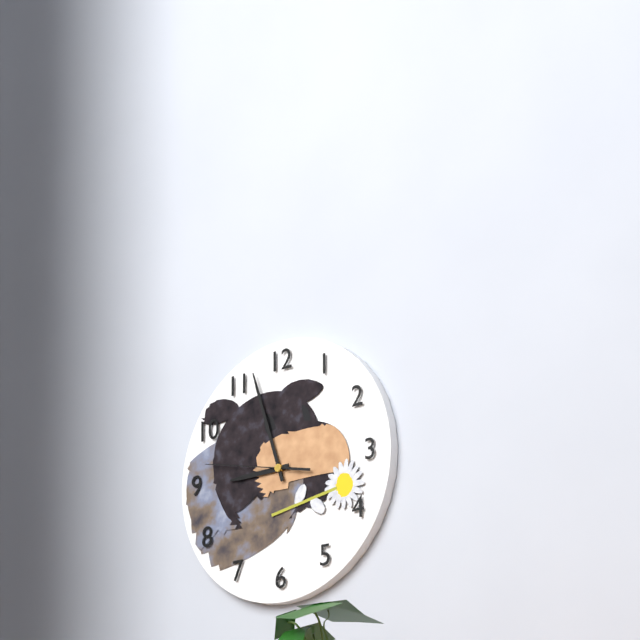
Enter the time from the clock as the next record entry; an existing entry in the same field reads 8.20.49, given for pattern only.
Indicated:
8.57.47
